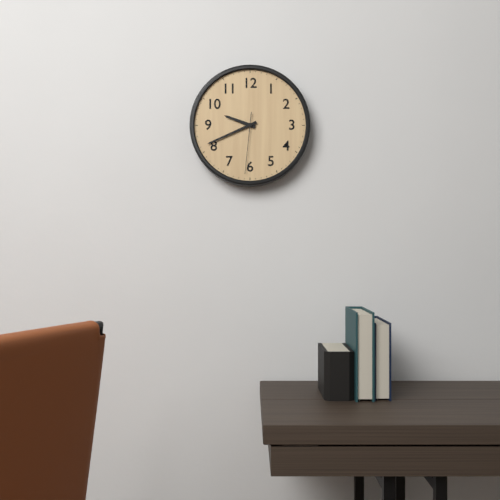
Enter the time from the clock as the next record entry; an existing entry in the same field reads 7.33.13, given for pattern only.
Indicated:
9.41.31
